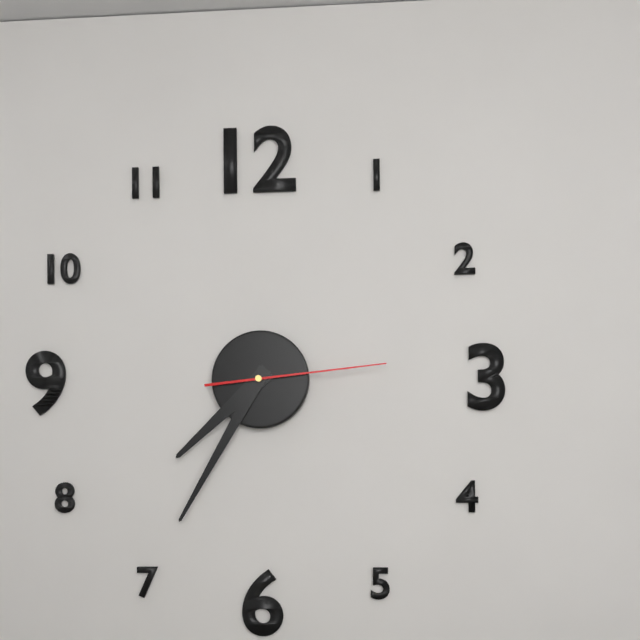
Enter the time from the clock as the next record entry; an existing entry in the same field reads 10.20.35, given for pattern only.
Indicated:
7.35.14
